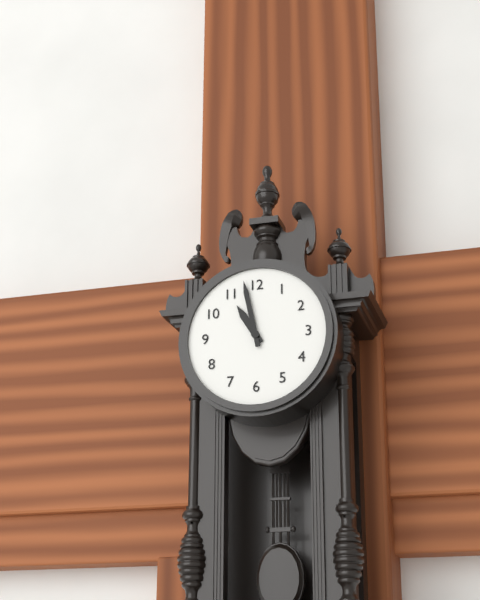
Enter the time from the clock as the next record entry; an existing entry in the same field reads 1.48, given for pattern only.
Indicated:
10.58
